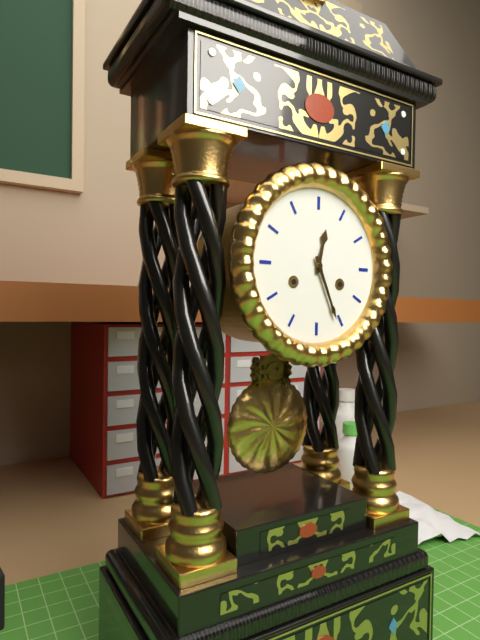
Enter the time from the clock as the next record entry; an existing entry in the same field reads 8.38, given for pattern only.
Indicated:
12.26
